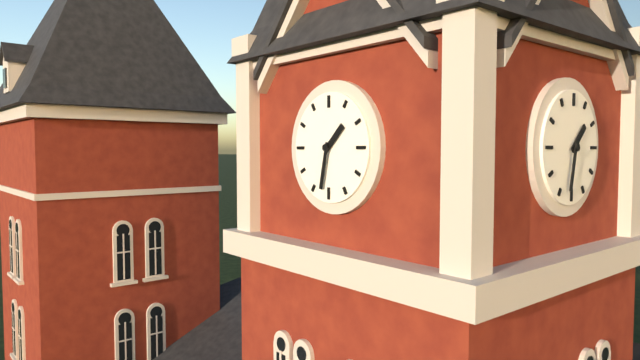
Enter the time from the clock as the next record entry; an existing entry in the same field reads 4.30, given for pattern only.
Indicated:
1.32
